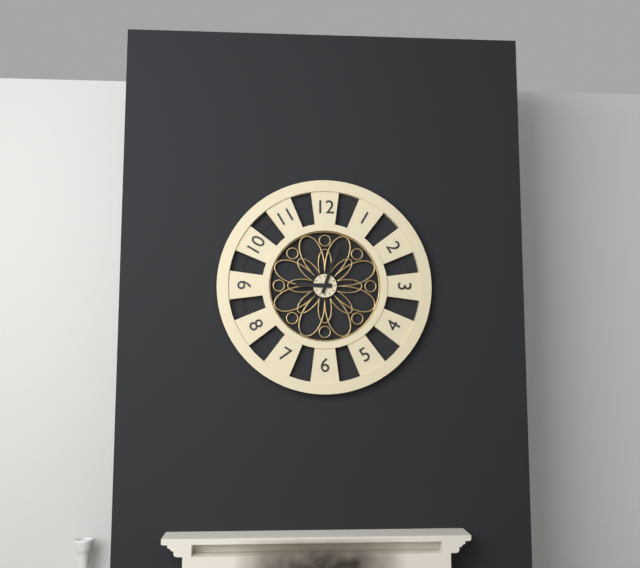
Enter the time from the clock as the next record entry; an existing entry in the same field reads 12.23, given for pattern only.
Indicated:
9.03
